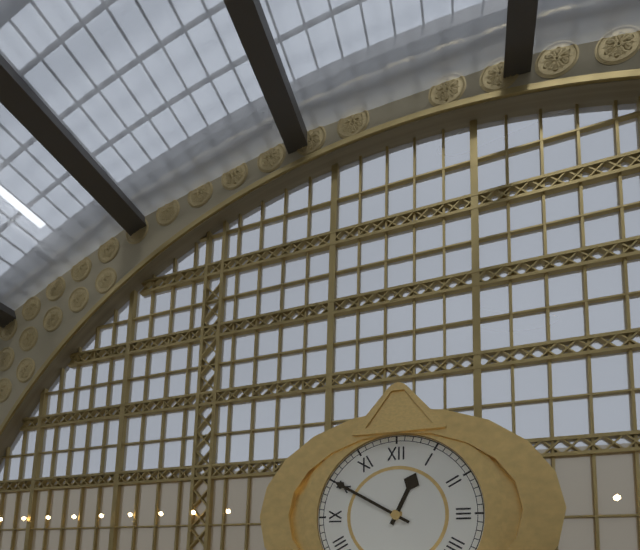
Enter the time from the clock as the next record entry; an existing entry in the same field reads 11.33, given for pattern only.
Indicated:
12.50
